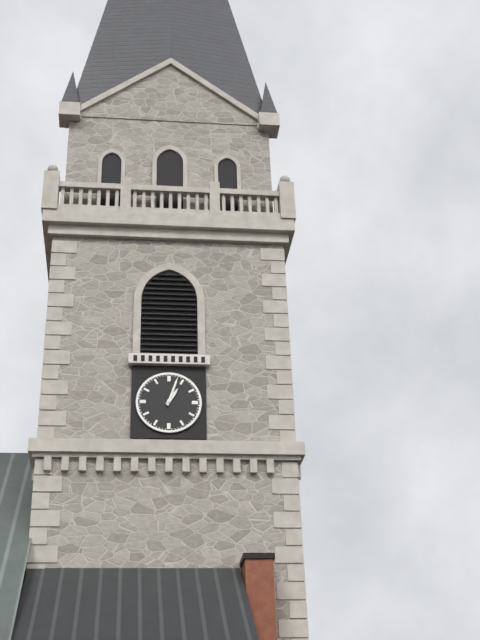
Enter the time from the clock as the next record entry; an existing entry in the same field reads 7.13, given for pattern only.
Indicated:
1.03
